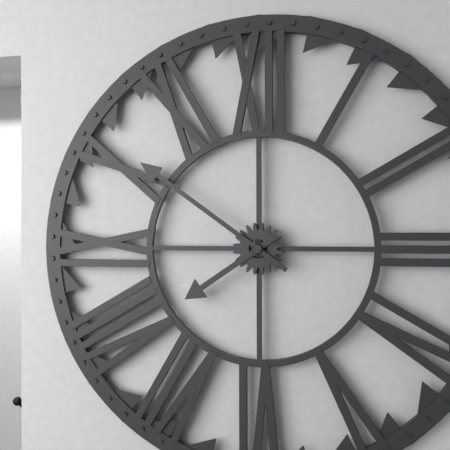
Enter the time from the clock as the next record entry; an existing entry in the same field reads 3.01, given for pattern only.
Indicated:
7.51
